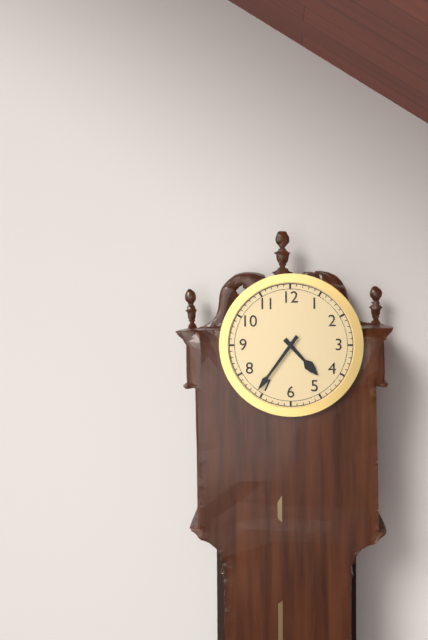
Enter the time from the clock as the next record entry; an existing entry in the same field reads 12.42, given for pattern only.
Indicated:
4.36
